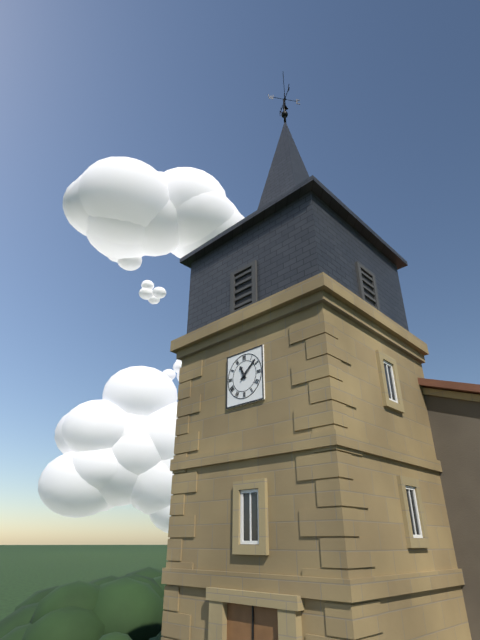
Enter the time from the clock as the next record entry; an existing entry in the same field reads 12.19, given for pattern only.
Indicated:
11.08
